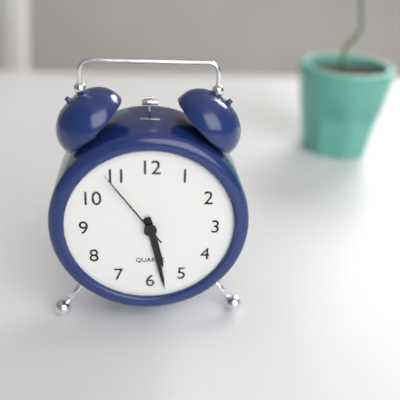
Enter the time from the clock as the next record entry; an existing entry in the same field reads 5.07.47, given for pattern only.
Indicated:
5.28.54
